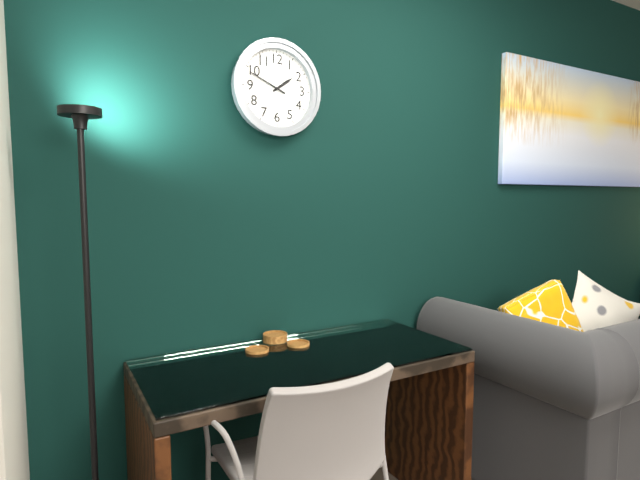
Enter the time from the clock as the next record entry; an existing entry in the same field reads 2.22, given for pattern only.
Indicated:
1.49
